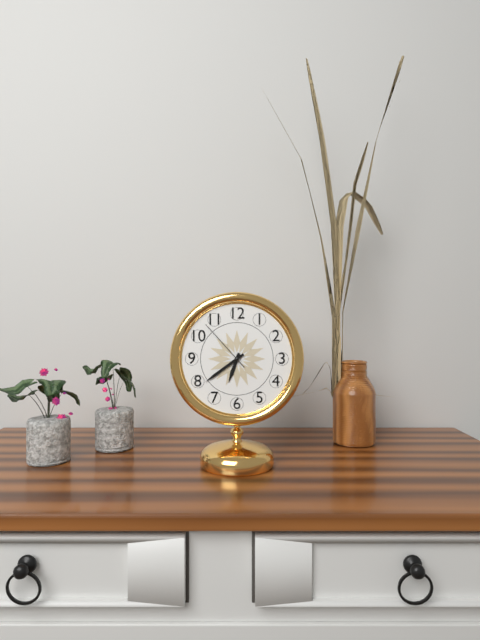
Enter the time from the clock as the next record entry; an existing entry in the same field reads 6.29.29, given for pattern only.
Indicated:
6.39.53
